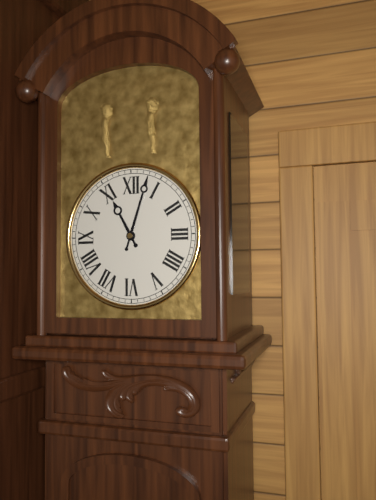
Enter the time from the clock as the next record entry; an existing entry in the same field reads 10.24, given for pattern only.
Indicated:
11.03
